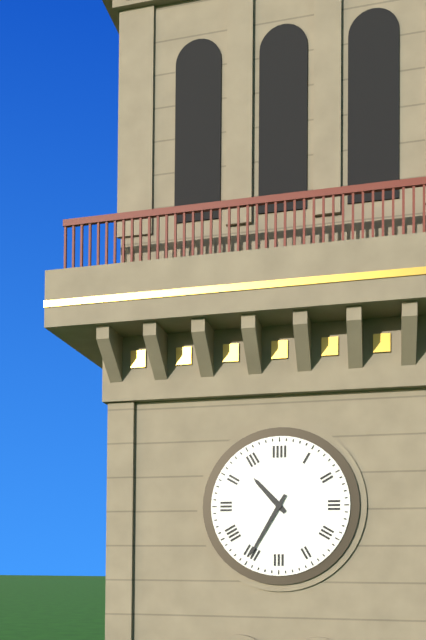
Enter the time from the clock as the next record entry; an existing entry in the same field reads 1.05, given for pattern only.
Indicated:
10.35
